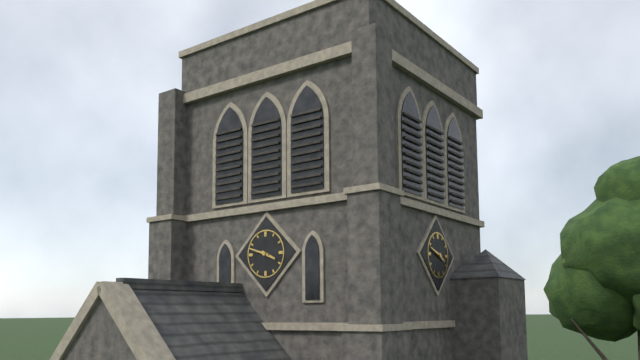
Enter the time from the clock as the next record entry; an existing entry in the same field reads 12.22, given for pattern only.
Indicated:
3.48
